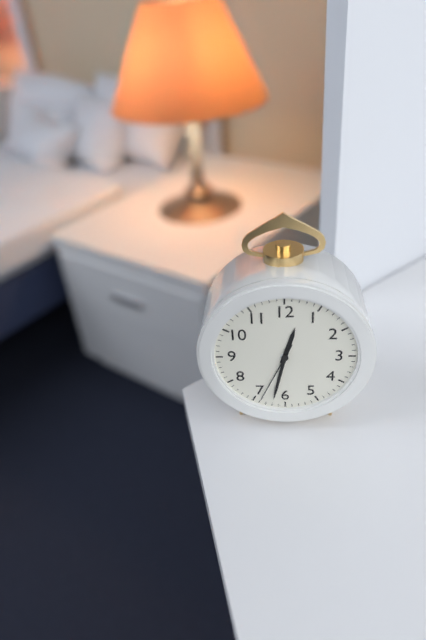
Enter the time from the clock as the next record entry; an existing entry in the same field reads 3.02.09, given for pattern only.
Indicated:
12.32.34
